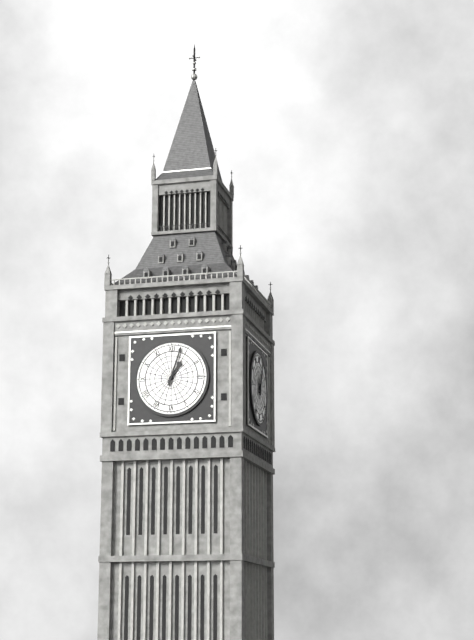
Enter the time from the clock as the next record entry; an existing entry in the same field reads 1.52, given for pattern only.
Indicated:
1.03
